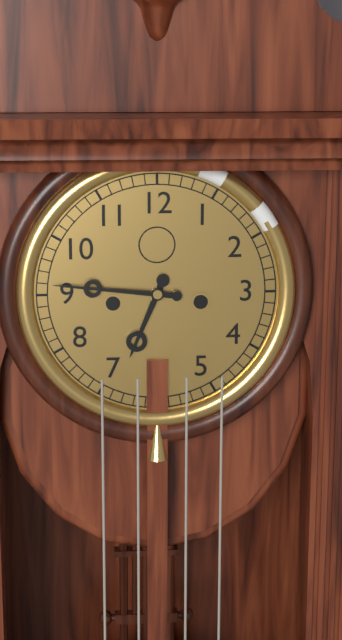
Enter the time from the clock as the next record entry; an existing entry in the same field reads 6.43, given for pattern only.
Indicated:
6.46
